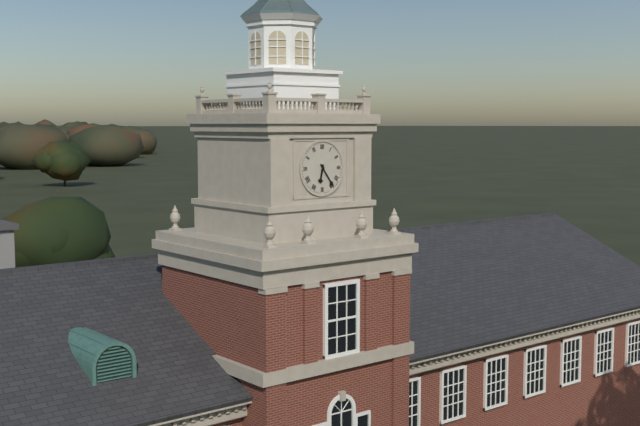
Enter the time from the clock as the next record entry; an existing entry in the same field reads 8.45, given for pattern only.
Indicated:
6.24
